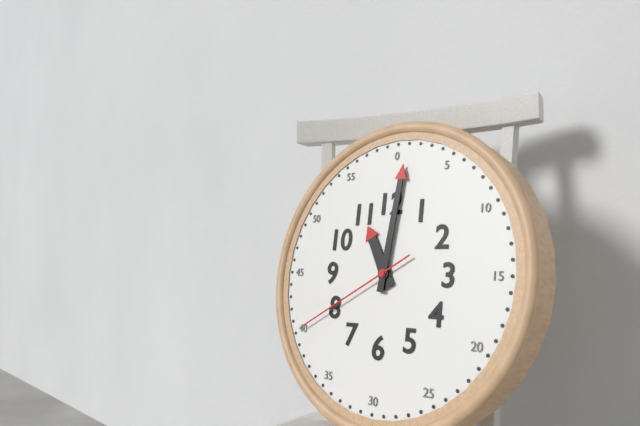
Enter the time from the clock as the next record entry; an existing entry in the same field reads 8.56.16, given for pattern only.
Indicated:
11.01.40
